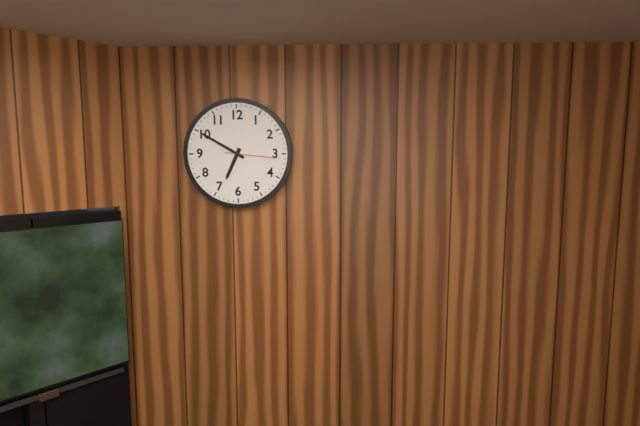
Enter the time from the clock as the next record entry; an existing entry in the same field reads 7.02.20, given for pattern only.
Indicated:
6.50.16
